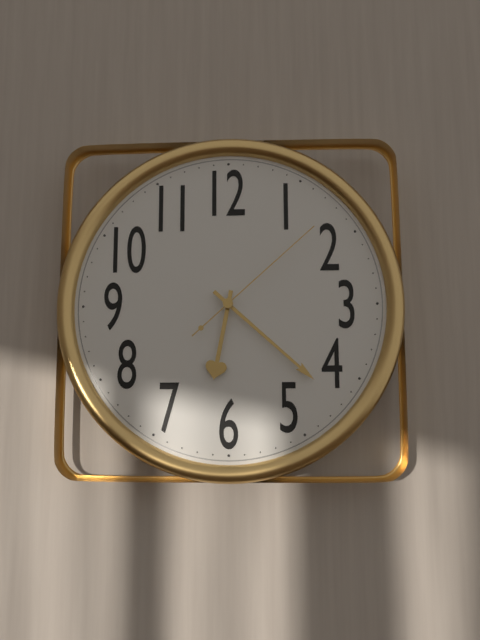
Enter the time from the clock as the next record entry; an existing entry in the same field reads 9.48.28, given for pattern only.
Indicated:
6.22.08
